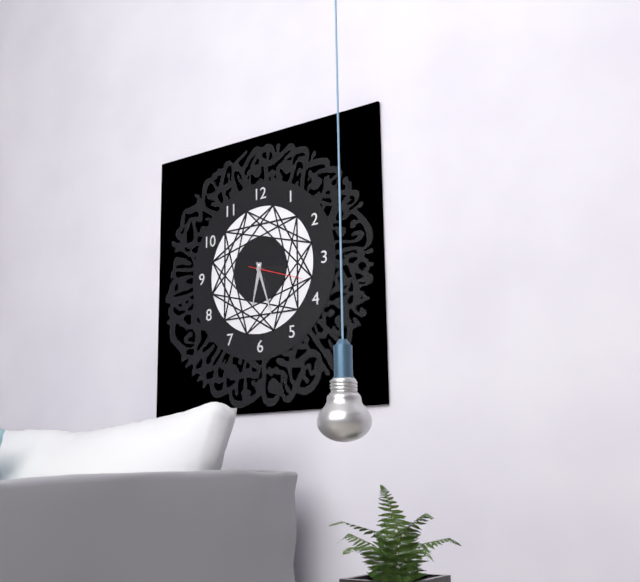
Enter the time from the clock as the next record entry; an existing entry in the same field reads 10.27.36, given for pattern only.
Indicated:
6.27.18
